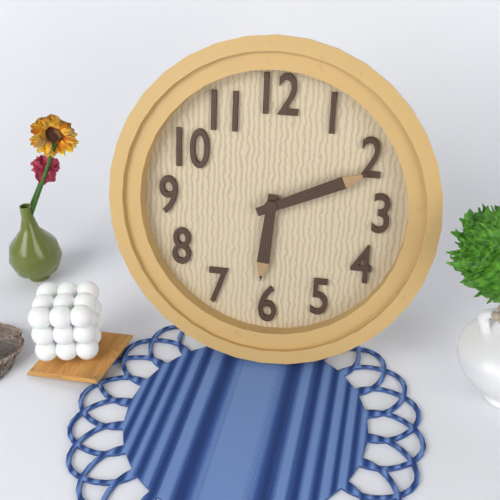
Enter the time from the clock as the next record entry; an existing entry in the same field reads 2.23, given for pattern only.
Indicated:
6.11
